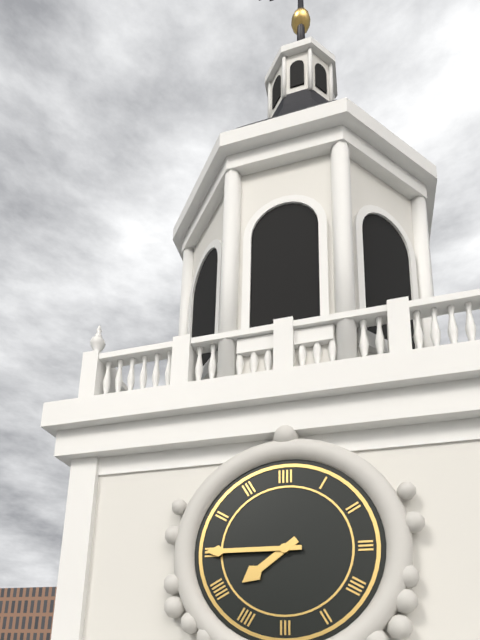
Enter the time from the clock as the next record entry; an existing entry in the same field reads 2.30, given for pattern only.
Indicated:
7.45
